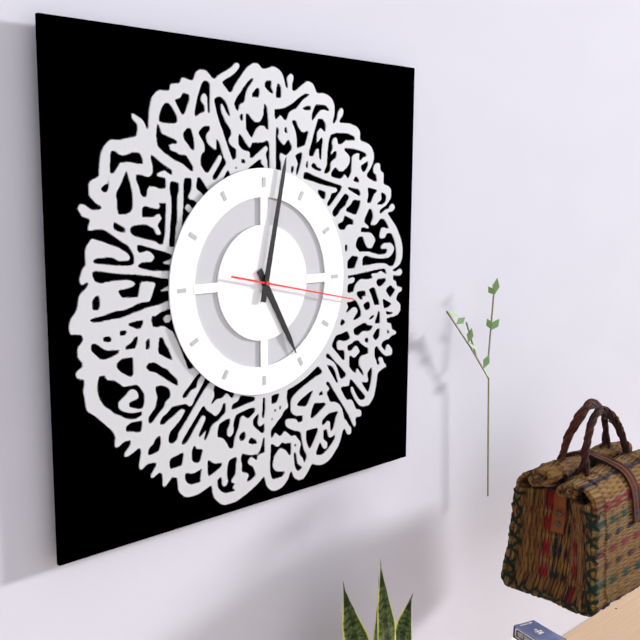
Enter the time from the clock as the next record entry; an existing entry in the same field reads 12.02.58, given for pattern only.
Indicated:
5.02.17
